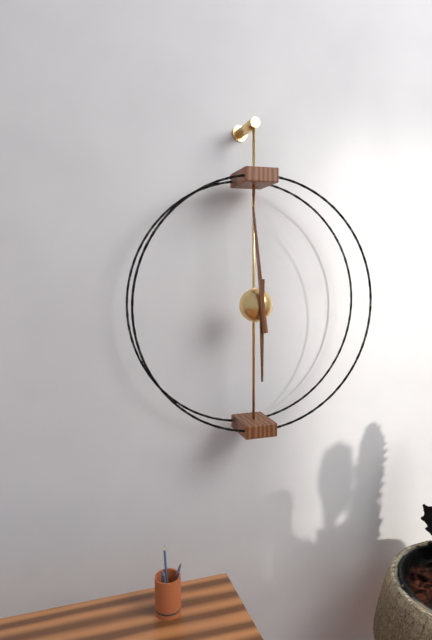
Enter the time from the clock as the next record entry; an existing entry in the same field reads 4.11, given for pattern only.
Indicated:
5.59
